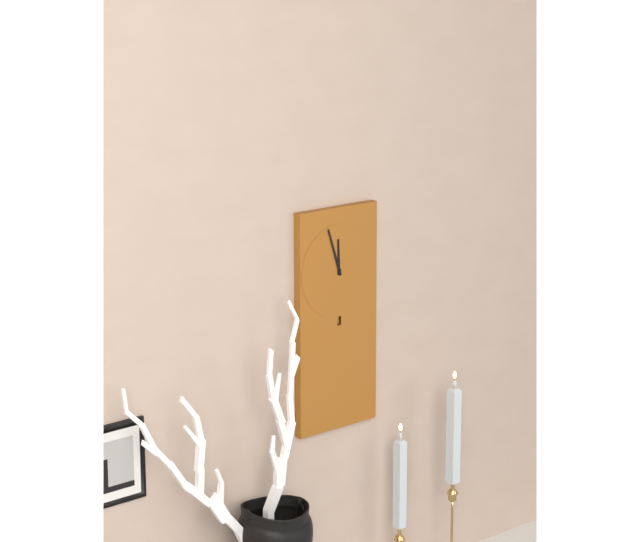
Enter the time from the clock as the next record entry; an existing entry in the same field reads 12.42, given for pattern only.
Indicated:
11.57
